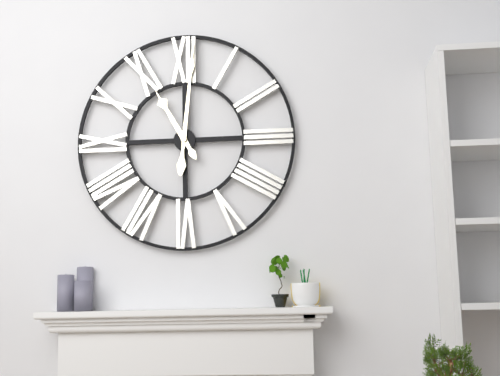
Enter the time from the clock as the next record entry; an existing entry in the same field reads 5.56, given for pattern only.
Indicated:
11.01
